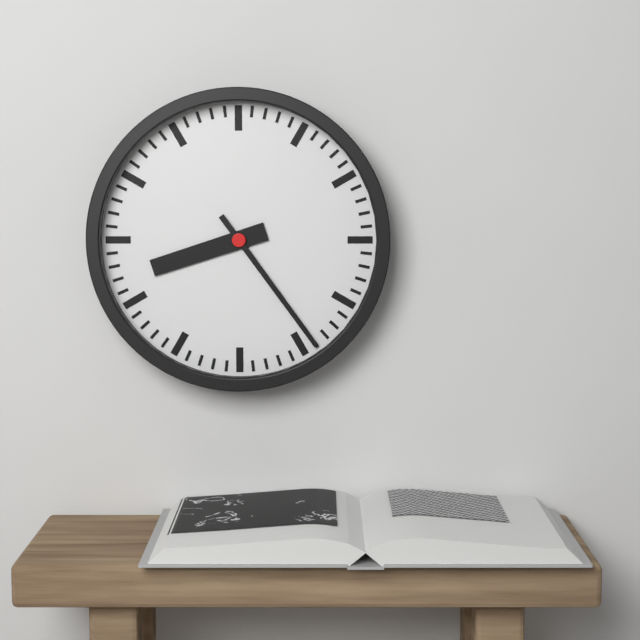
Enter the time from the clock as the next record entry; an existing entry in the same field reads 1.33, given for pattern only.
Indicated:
8.24
